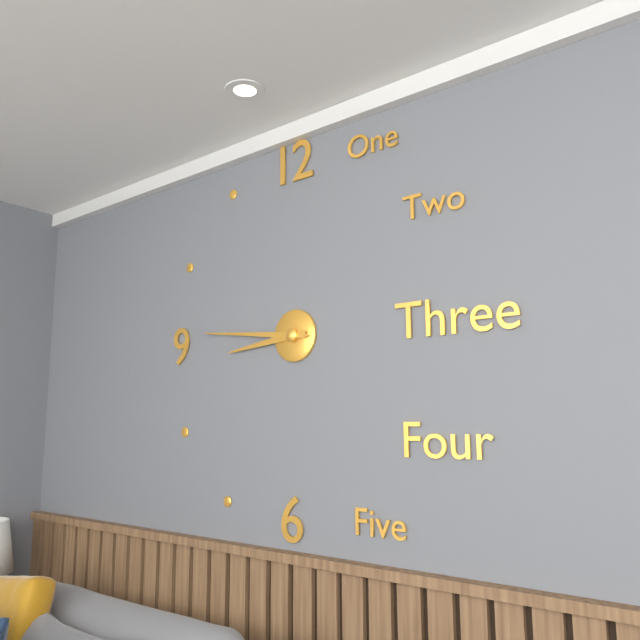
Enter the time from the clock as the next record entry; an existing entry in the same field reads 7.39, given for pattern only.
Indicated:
8.46
